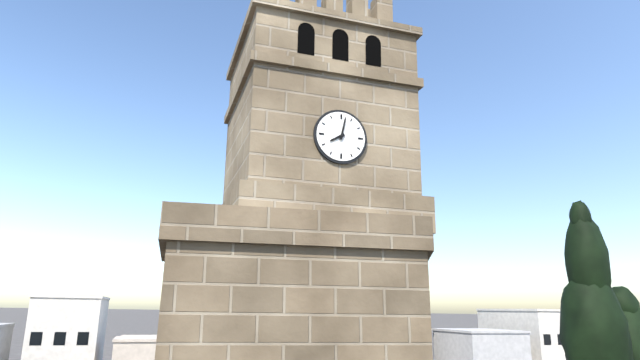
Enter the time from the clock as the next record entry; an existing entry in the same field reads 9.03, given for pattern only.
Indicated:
8.02
